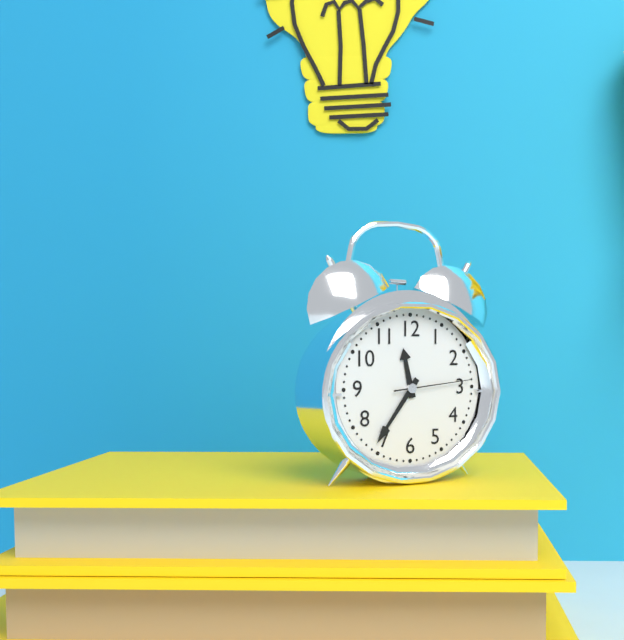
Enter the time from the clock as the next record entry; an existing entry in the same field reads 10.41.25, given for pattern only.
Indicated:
11.36.14
